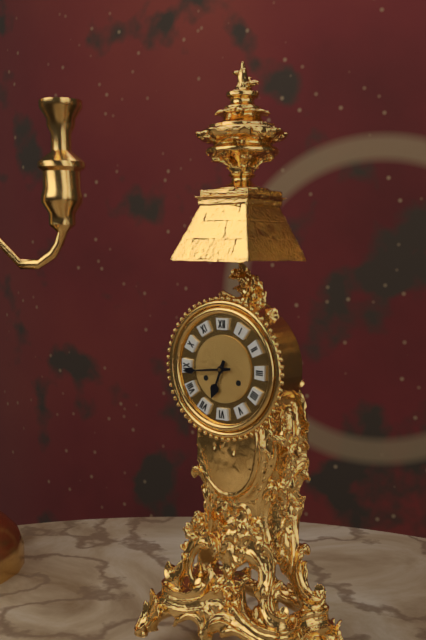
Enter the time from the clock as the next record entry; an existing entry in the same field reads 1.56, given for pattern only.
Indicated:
6.44
